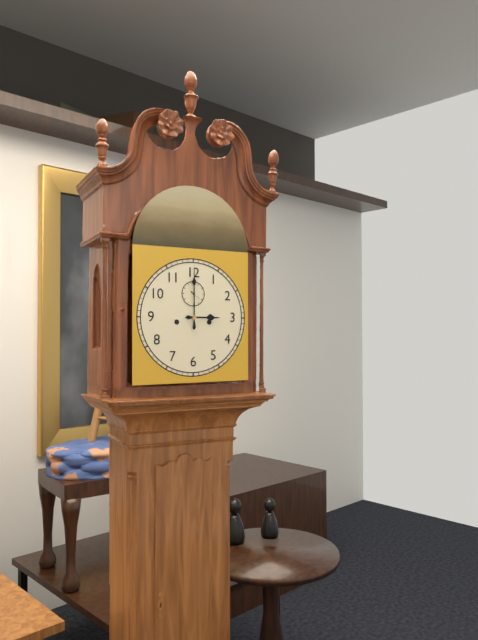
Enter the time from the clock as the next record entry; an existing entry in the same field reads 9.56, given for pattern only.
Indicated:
3.00
